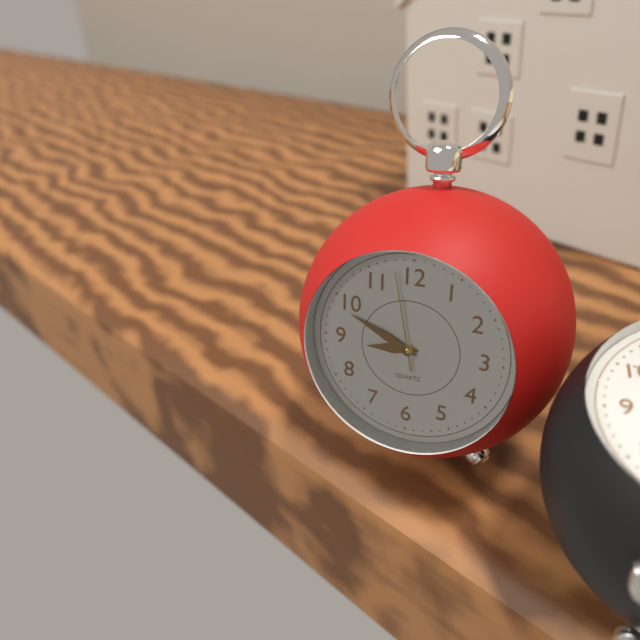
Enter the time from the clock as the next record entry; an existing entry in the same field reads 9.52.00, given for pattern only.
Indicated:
8.49.58
